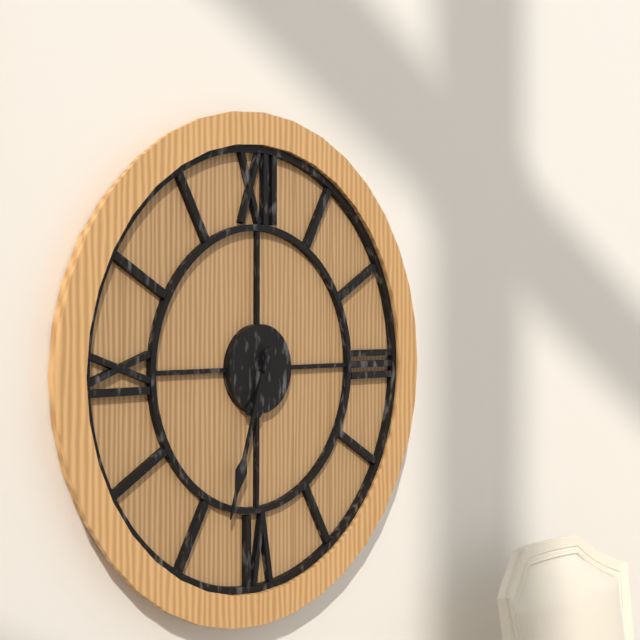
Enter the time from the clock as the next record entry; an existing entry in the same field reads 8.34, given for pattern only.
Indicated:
6.33
